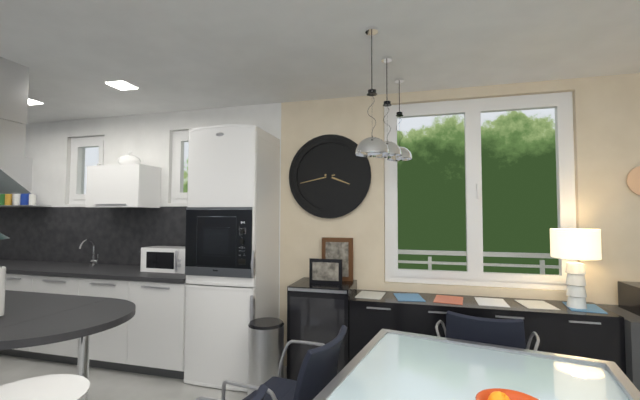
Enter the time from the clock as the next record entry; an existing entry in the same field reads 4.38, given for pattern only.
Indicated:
3.43
